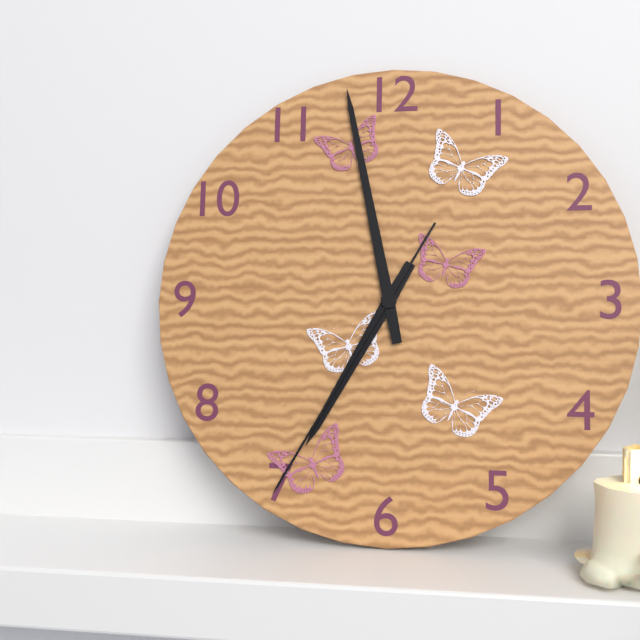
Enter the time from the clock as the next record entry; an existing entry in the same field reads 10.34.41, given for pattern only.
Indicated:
6.58.35
